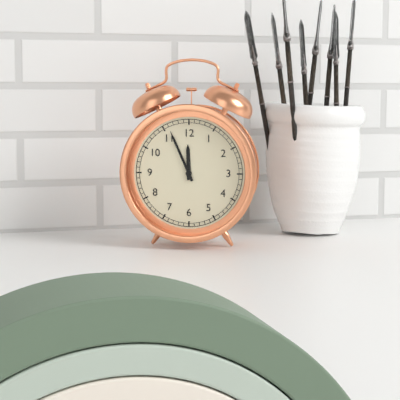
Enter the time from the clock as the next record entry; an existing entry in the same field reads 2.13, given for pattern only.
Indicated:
11.56
